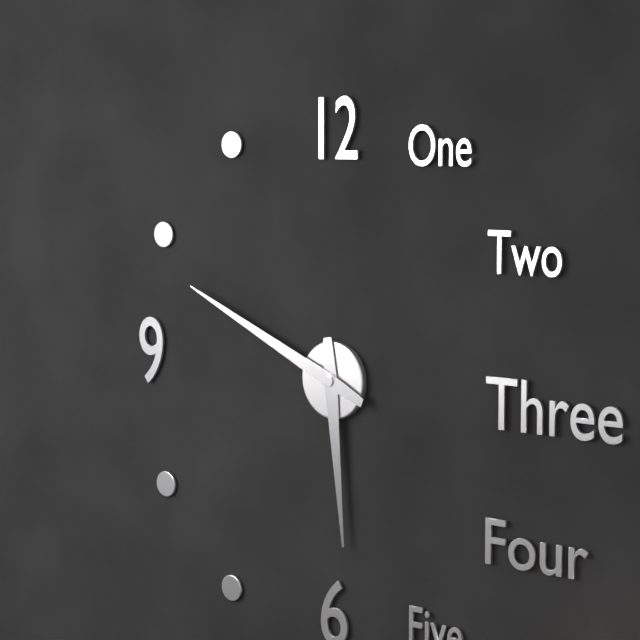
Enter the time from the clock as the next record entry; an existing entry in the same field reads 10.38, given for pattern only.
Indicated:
5.49
